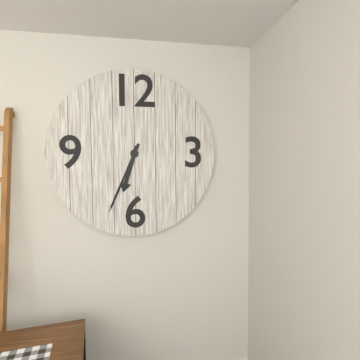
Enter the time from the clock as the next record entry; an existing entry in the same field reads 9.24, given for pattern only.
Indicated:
6.34
